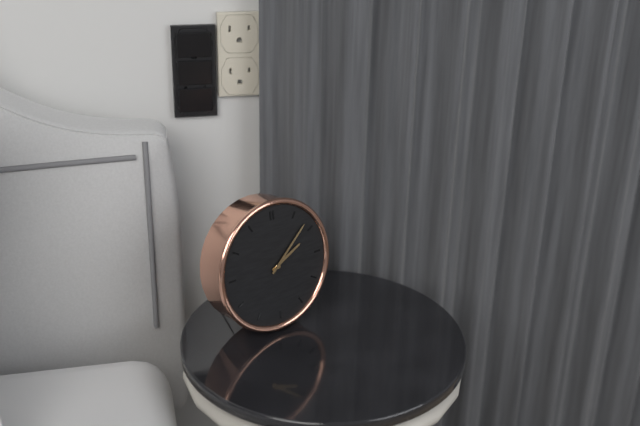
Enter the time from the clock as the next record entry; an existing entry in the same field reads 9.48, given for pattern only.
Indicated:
2.08
